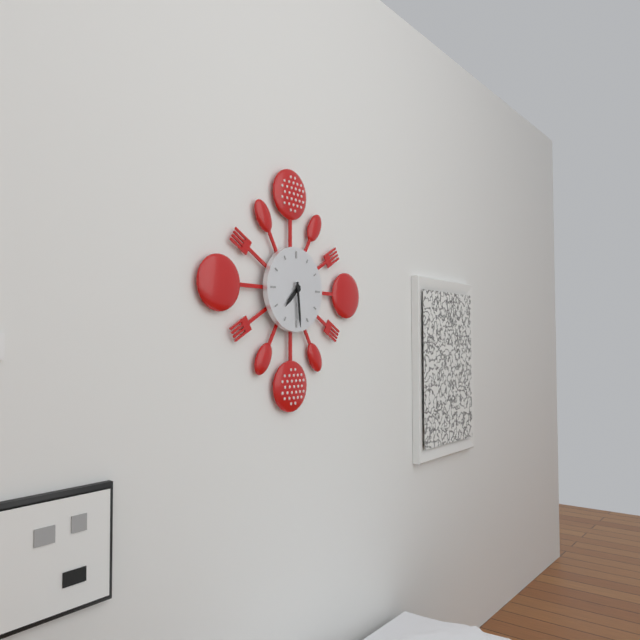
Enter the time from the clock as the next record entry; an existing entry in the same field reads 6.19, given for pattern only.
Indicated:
7.29
